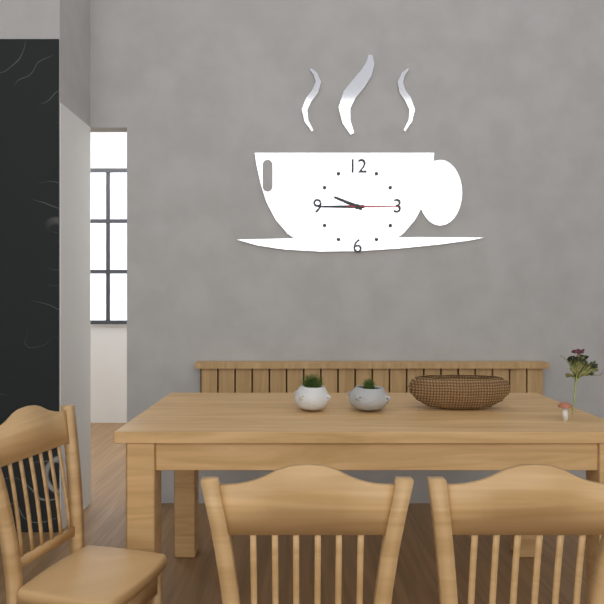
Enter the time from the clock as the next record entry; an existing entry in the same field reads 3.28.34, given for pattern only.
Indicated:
9.45.15
